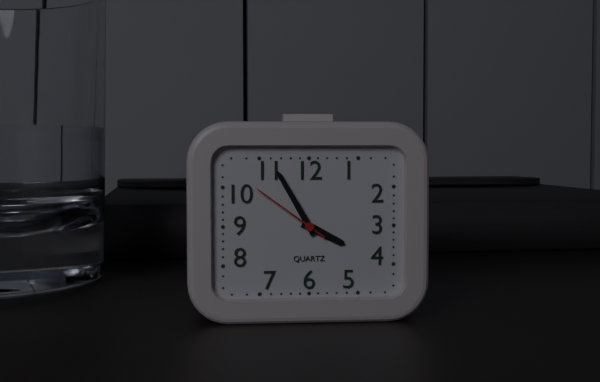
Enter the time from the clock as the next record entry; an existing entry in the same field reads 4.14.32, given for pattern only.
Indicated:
3.55.51
